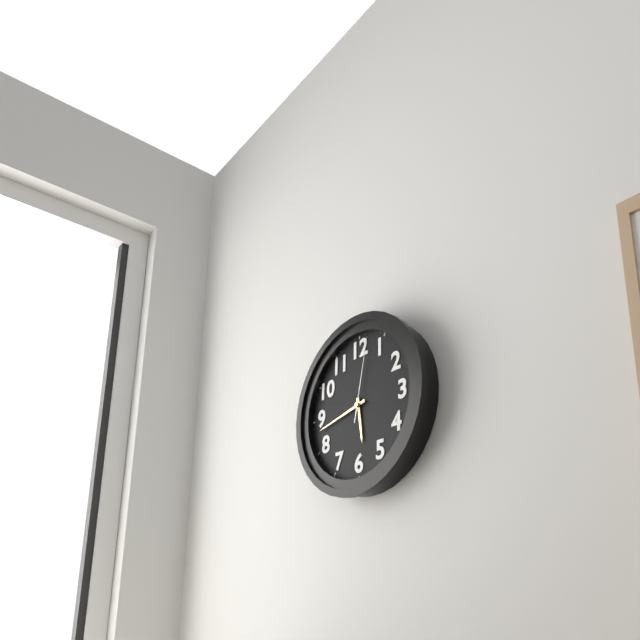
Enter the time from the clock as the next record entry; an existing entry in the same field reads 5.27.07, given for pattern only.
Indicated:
5.43.02
